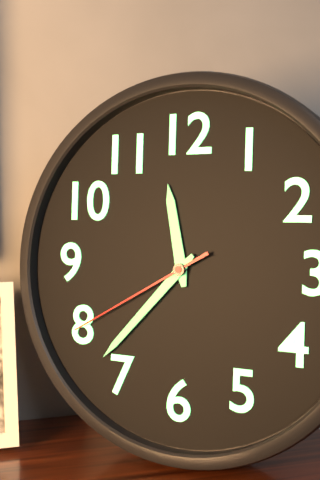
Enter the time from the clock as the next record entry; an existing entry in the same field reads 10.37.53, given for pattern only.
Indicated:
11.37.40
